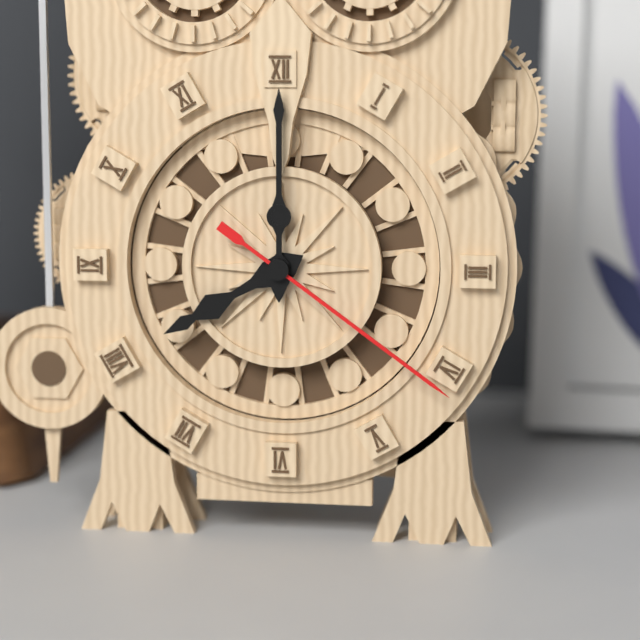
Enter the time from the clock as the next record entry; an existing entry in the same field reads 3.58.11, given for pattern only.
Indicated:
8.00.21
